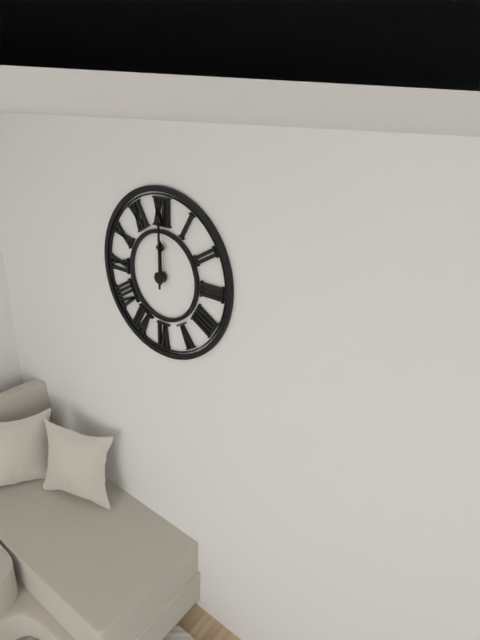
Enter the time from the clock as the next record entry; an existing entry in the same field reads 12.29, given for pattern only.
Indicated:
12.00
